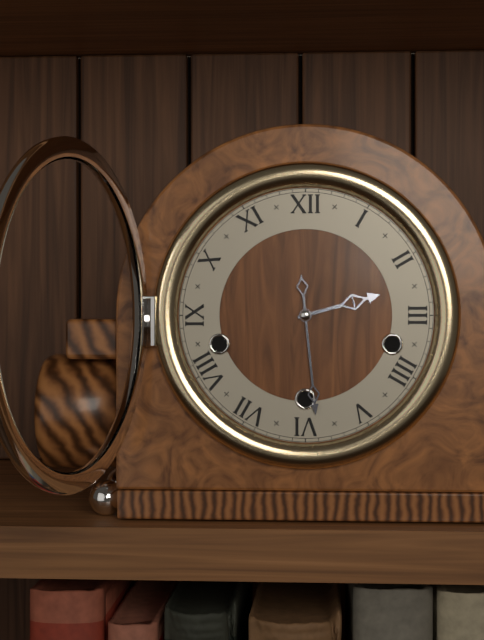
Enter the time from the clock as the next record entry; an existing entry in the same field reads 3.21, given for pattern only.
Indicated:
2.29
